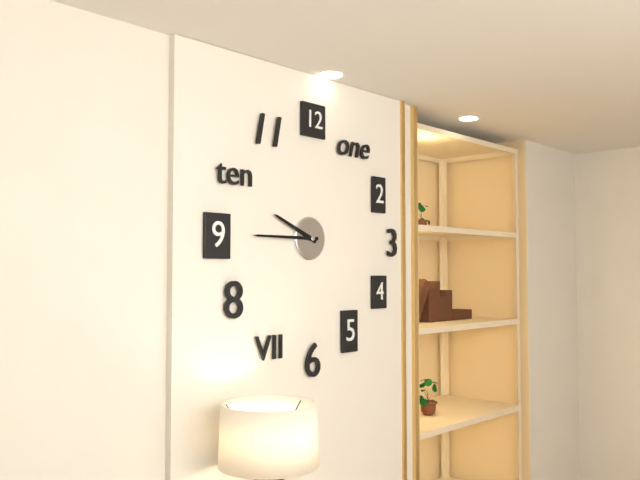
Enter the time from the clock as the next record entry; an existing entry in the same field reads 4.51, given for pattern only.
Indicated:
9.45
